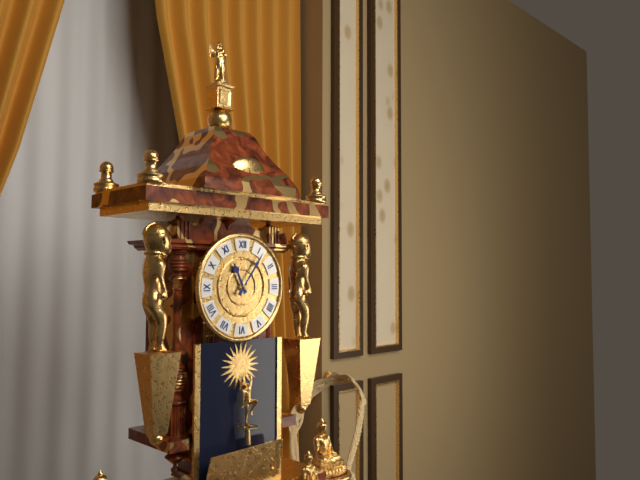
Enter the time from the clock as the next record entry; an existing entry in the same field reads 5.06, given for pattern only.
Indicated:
11.06
